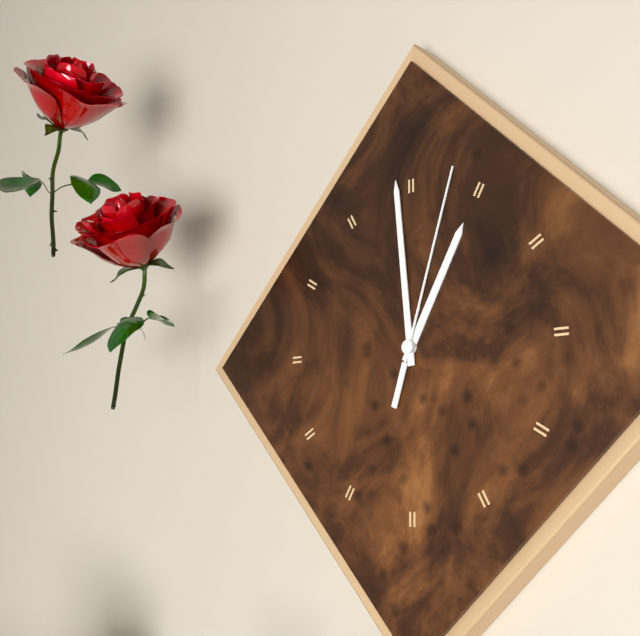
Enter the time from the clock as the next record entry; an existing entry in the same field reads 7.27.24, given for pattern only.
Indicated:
12.59.03
